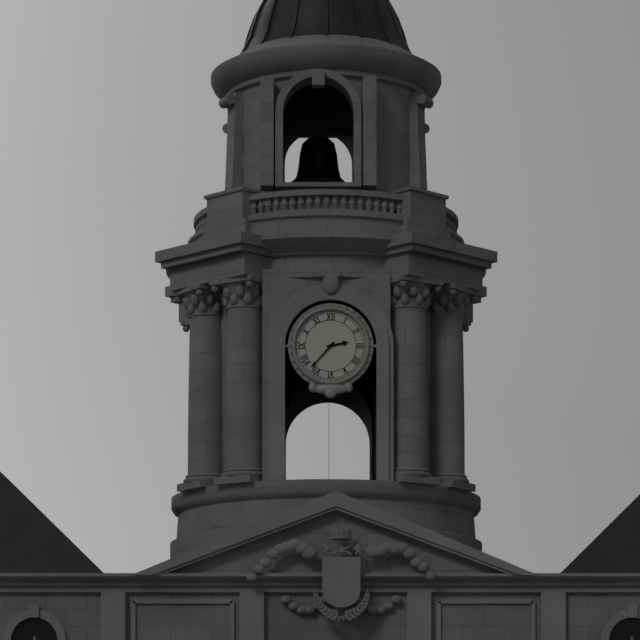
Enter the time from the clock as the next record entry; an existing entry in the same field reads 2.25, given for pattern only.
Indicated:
2.37
